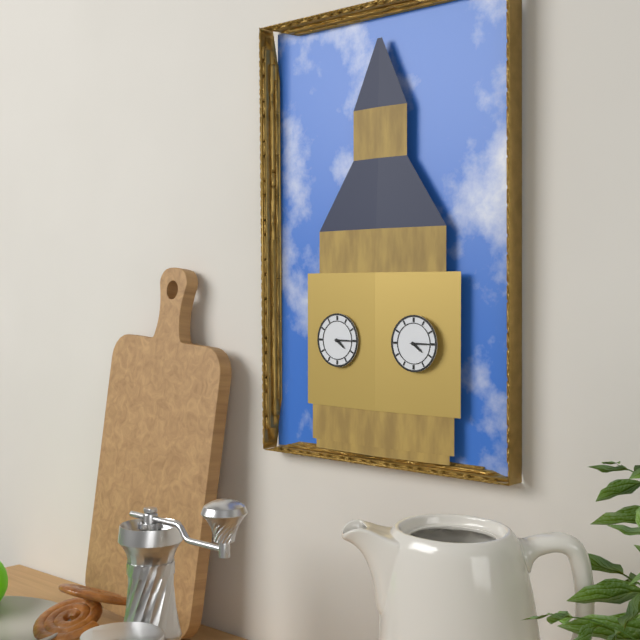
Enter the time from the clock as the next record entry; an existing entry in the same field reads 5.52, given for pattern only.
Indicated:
4.15
